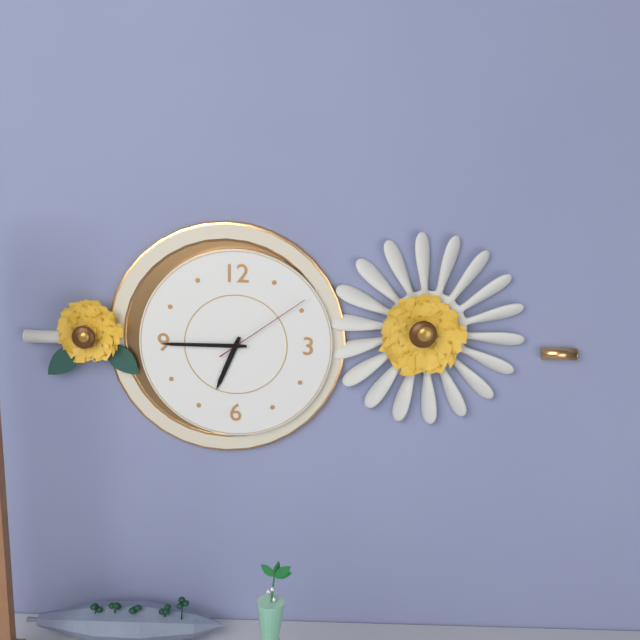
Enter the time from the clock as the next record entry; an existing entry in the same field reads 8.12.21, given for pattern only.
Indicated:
6.45.09
